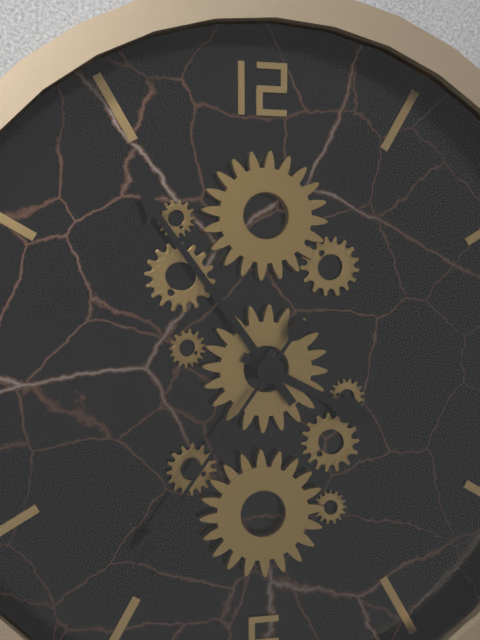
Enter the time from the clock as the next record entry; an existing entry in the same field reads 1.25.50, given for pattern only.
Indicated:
3.54.36
